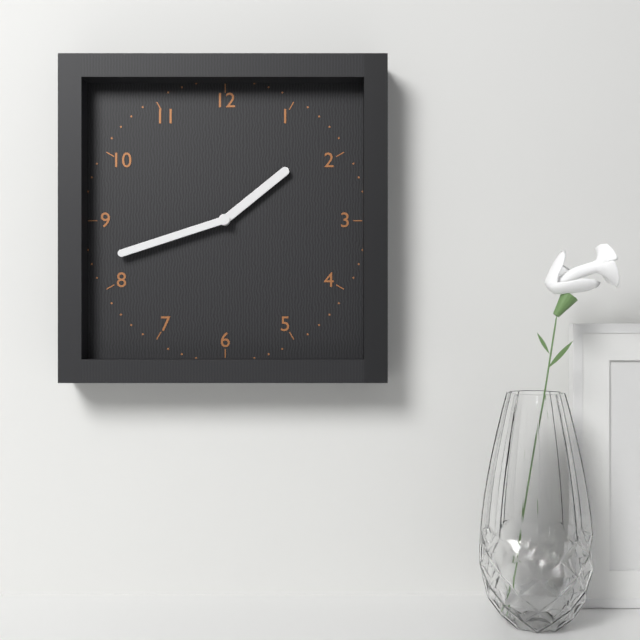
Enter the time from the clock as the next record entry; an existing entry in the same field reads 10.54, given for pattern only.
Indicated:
1.42
